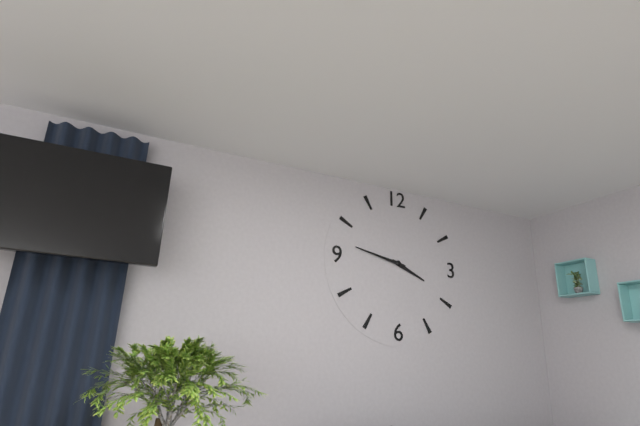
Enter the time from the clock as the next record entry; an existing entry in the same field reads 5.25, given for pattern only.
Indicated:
3.47
